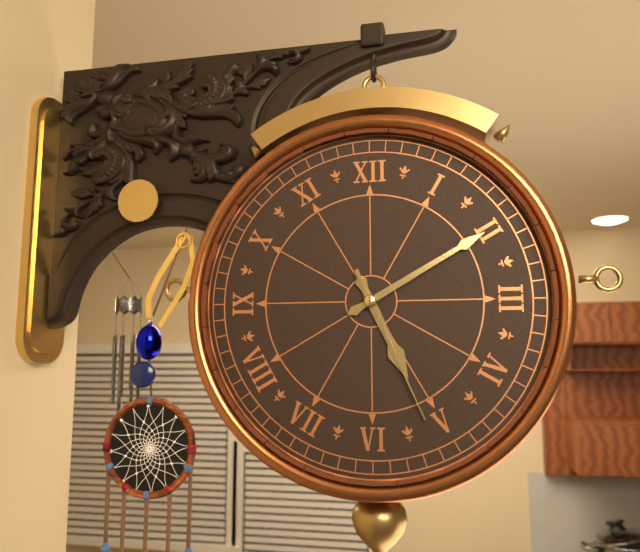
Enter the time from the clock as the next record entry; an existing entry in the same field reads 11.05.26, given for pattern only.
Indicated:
5.10.26
